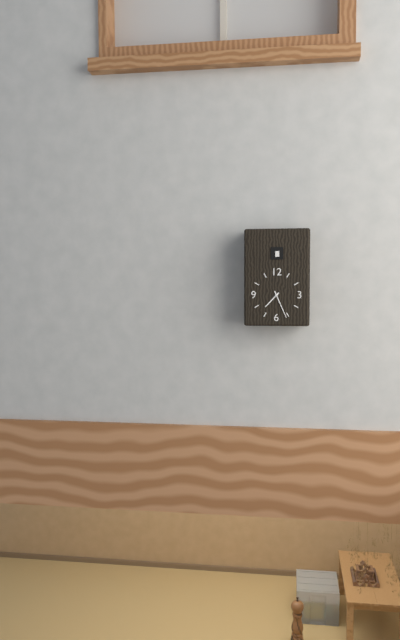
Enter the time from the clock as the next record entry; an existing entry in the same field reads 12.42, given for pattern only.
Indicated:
7.26
